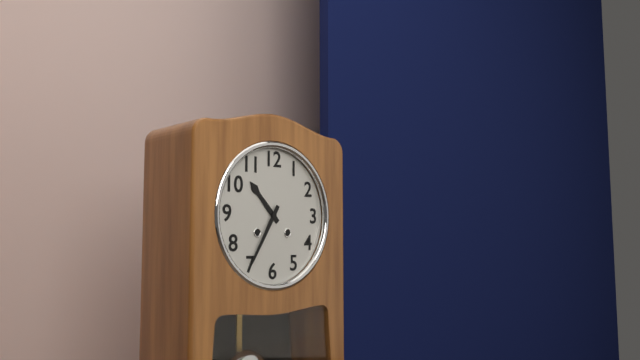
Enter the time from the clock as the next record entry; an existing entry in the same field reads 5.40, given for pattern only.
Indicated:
10.35
